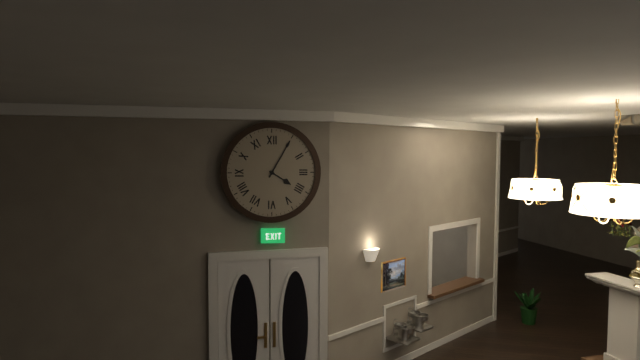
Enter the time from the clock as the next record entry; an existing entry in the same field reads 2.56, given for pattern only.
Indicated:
4.05
